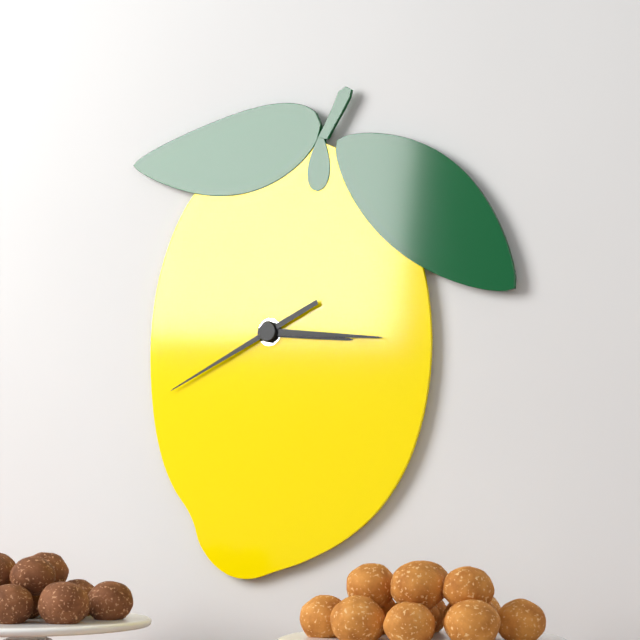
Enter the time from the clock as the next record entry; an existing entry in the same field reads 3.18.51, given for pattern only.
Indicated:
3.16.41
